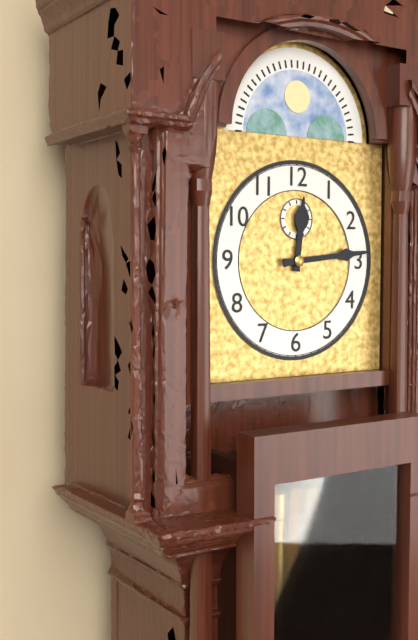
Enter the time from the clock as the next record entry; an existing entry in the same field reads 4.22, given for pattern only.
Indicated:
12.14
